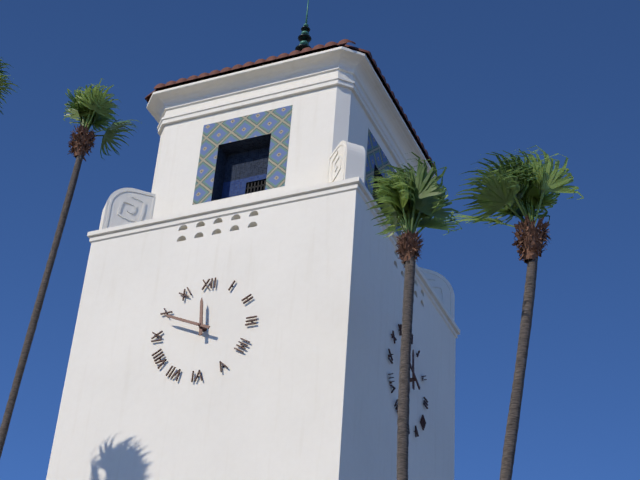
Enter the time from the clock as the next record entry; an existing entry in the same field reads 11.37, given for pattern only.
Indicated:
11.49
